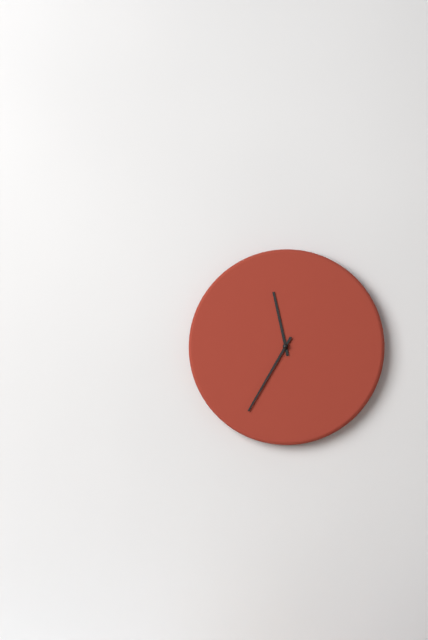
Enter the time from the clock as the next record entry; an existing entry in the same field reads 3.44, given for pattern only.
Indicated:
11.35
